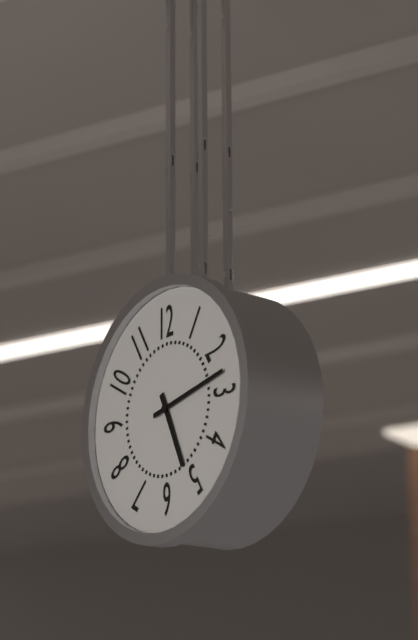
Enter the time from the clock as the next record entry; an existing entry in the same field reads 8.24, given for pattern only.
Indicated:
5.13
